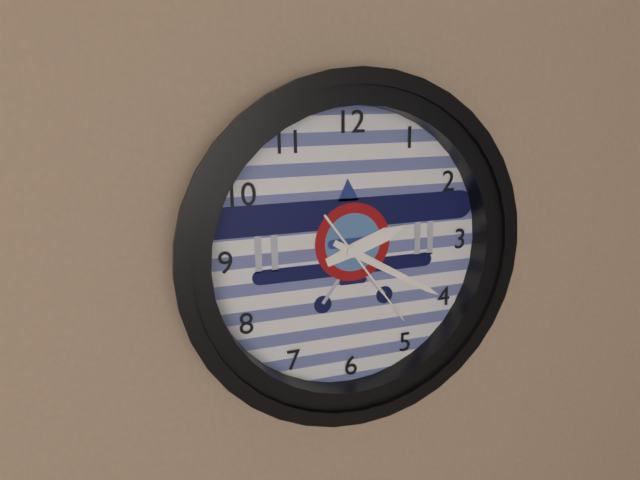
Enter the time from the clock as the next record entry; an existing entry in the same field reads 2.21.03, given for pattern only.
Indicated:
2.20.24
